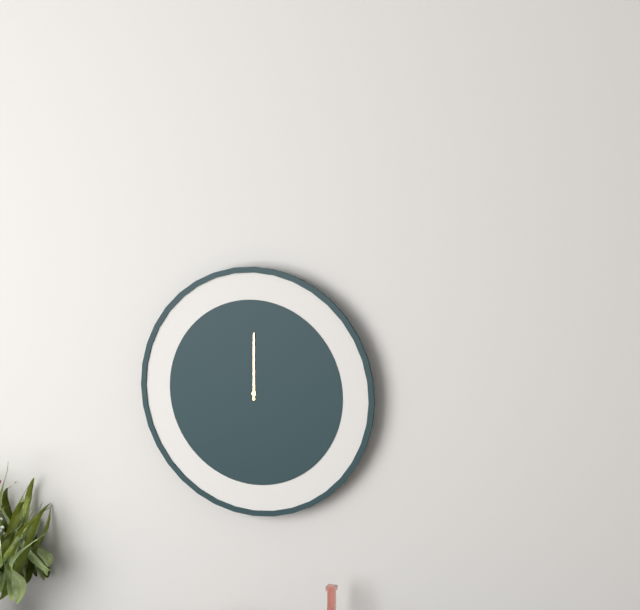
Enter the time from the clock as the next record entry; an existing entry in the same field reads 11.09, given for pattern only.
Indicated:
12.00
